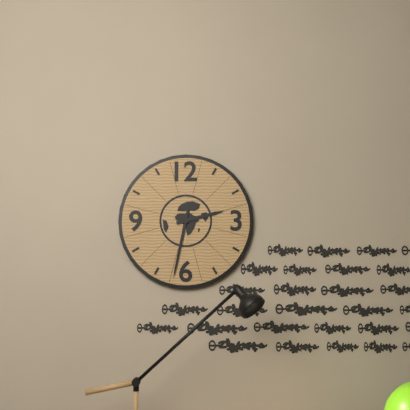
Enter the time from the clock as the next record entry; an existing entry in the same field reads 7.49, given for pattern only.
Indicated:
2.32
